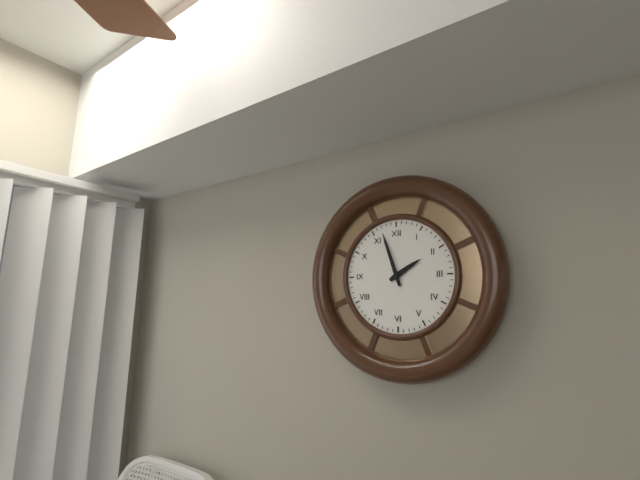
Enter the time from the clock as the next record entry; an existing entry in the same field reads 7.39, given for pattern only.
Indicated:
1.57
